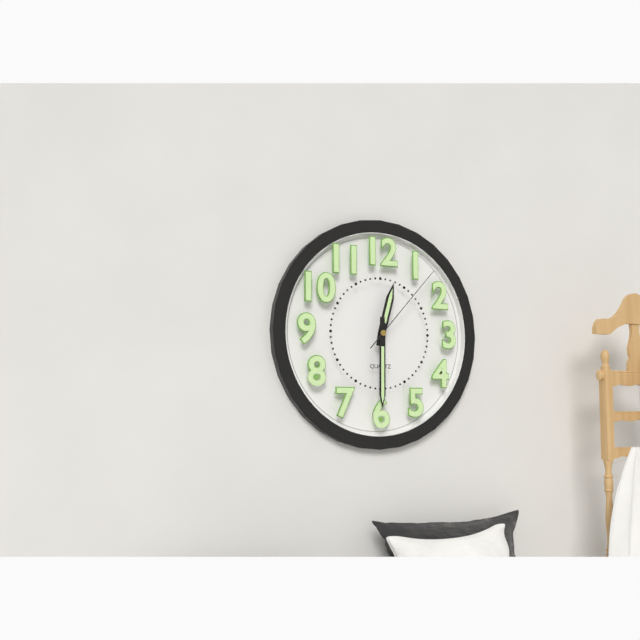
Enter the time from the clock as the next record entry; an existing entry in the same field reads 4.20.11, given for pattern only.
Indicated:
12.30.07
